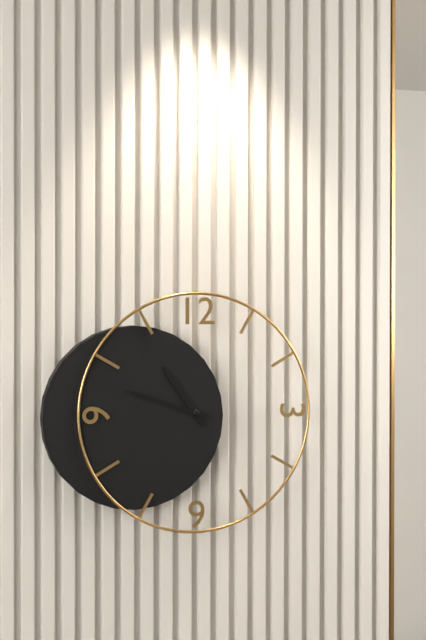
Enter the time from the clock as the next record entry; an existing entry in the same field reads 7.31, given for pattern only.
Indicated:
10.48
